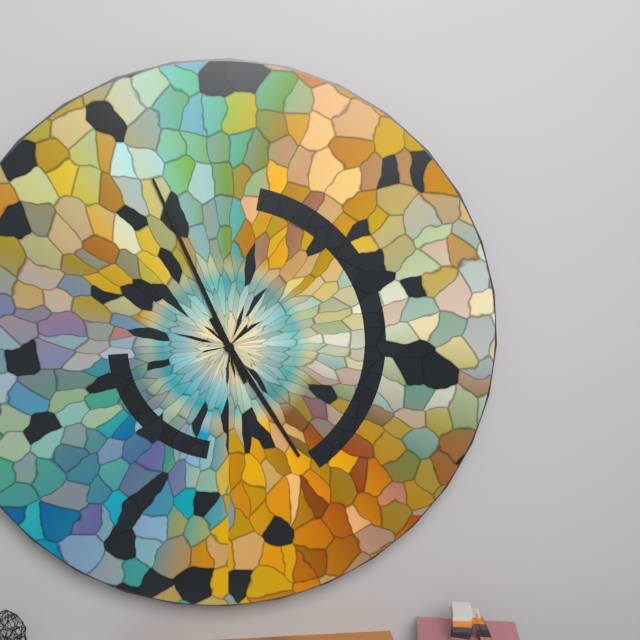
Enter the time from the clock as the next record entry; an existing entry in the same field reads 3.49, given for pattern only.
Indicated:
4.56
